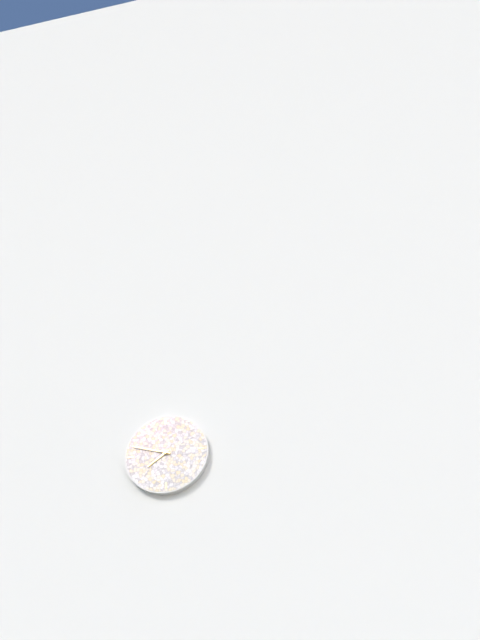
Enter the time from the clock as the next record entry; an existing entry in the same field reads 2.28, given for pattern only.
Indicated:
7.48
